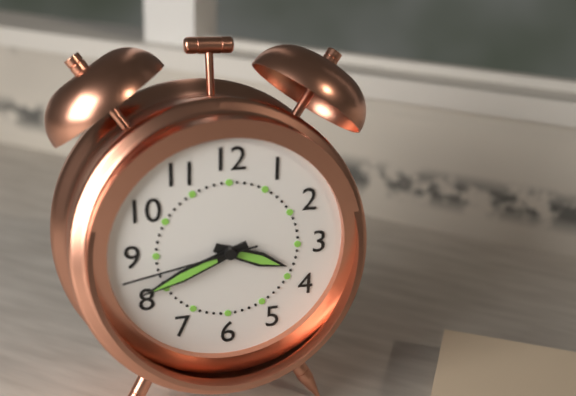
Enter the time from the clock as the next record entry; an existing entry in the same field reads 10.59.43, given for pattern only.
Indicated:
3.41.43
